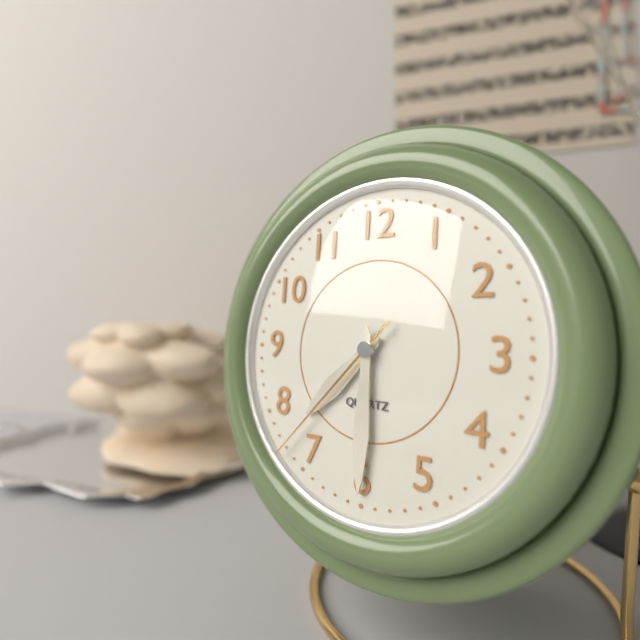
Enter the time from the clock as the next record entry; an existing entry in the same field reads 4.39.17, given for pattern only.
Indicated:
7.30.37
